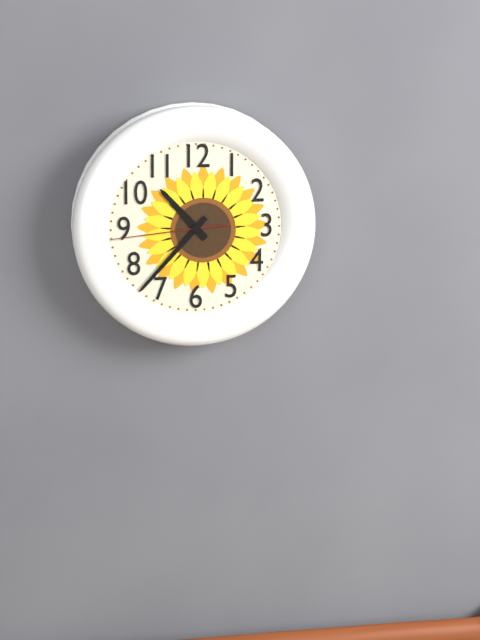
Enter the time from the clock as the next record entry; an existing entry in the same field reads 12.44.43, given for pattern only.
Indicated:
10.37.44
